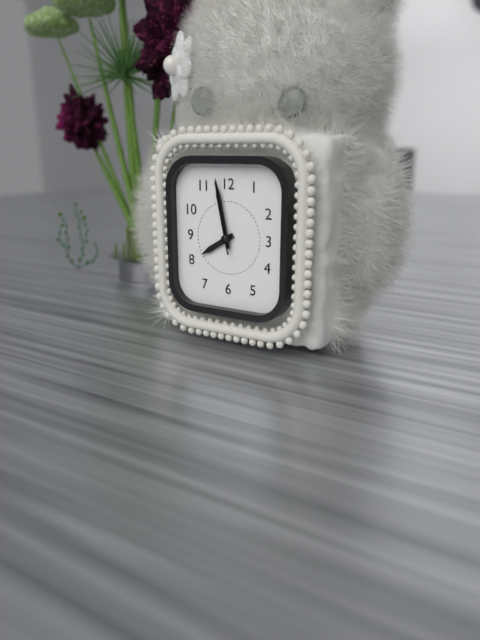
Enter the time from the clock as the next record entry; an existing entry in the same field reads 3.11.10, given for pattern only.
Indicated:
7.58.58
